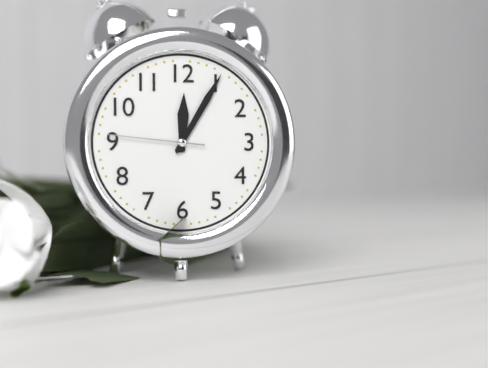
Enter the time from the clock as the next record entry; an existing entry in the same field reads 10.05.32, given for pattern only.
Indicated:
12.05.46
